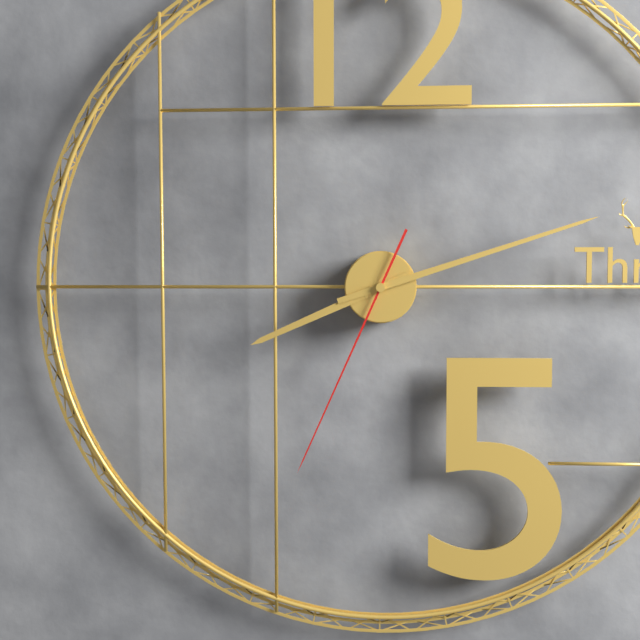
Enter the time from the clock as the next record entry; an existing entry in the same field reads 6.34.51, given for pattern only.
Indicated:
8.12.34
